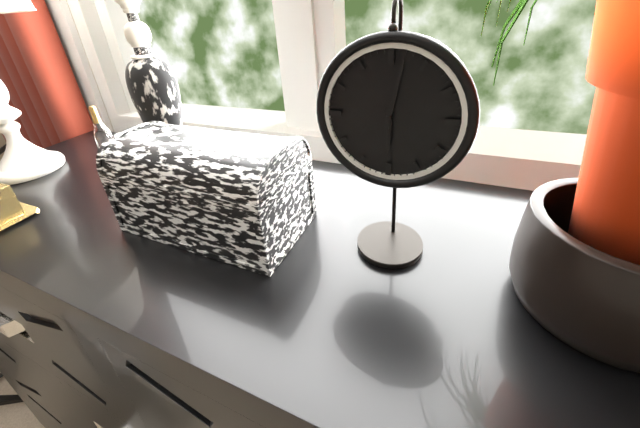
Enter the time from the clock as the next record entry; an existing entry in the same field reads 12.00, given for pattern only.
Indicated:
6.02
